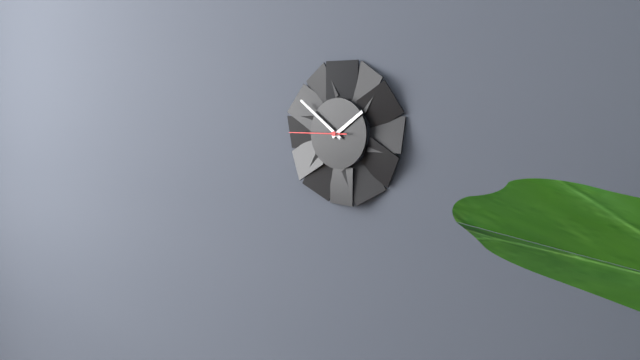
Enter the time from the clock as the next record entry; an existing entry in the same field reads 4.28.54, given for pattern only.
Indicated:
1.51.45
